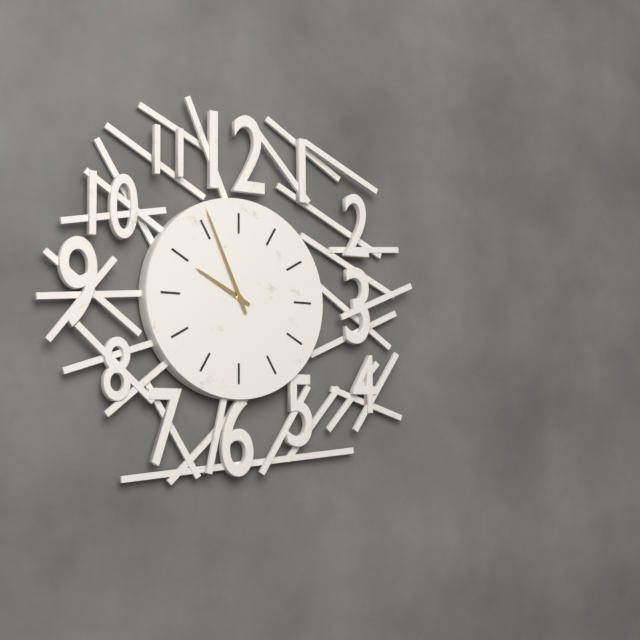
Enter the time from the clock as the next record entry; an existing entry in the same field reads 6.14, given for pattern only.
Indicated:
9.56
